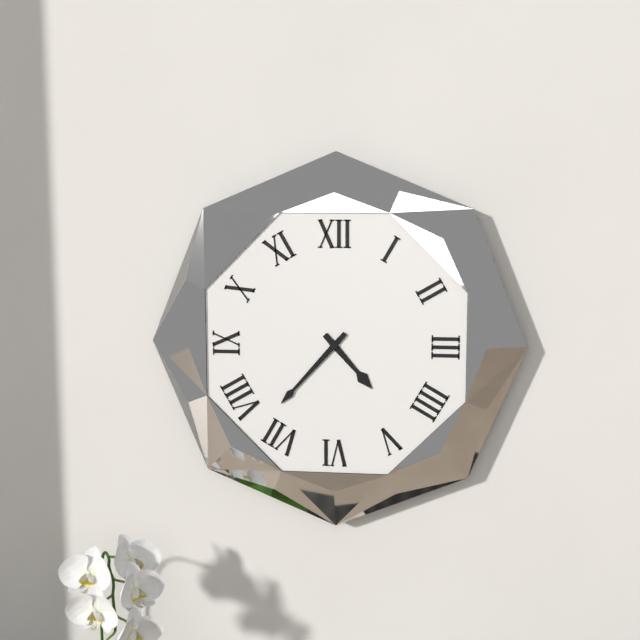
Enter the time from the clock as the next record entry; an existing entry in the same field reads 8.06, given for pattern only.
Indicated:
4.37
